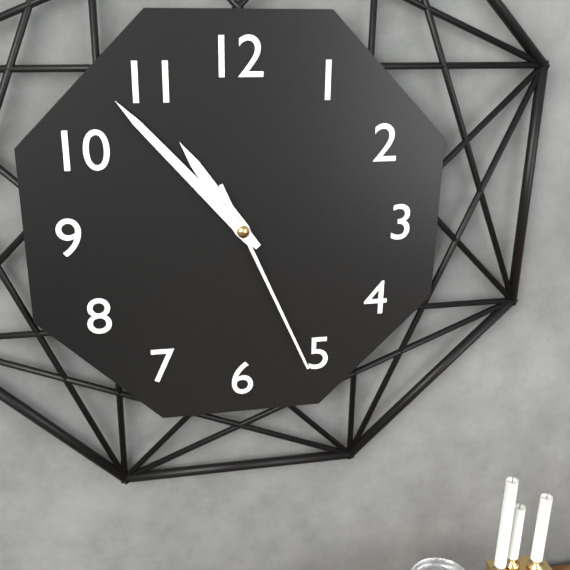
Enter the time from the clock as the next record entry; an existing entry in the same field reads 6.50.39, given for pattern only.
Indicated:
10.53.26
